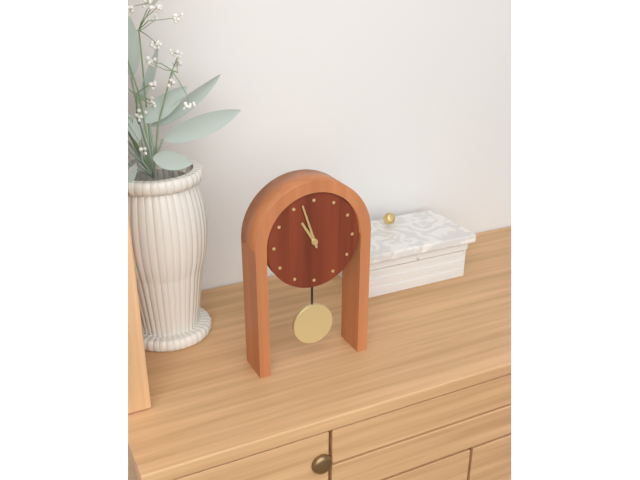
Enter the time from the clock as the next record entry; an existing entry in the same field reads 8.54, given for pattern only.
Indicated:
10.57
